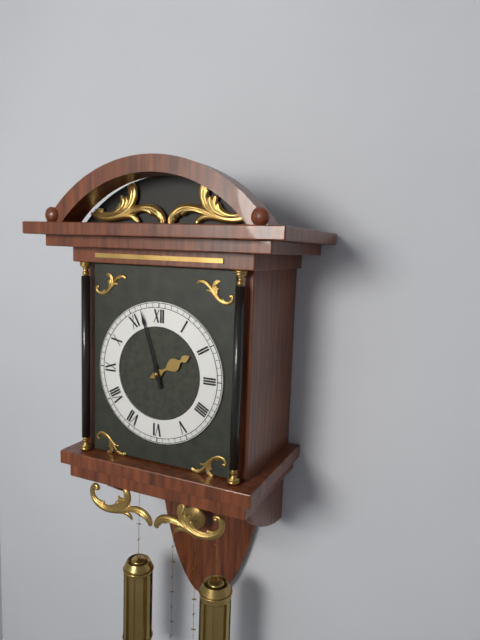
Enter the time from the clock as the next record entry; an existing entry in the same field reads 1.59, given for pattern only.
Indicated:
1.57
